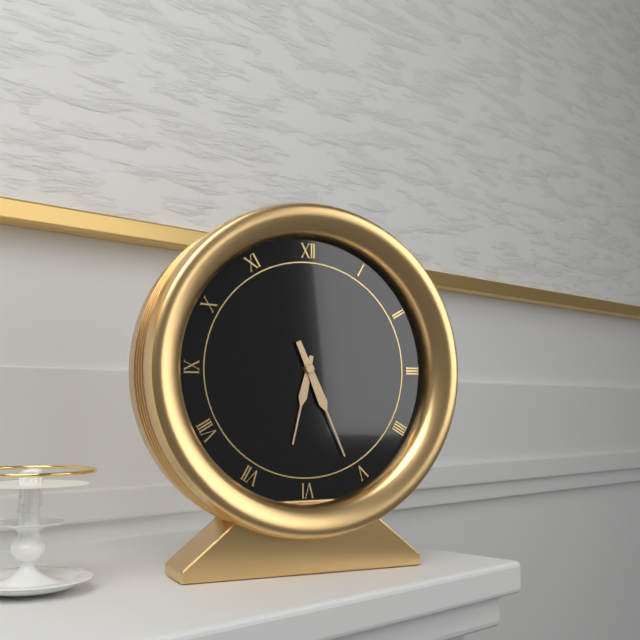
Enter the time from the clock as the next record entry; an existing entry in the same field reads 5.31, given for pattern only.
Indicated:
6.26
